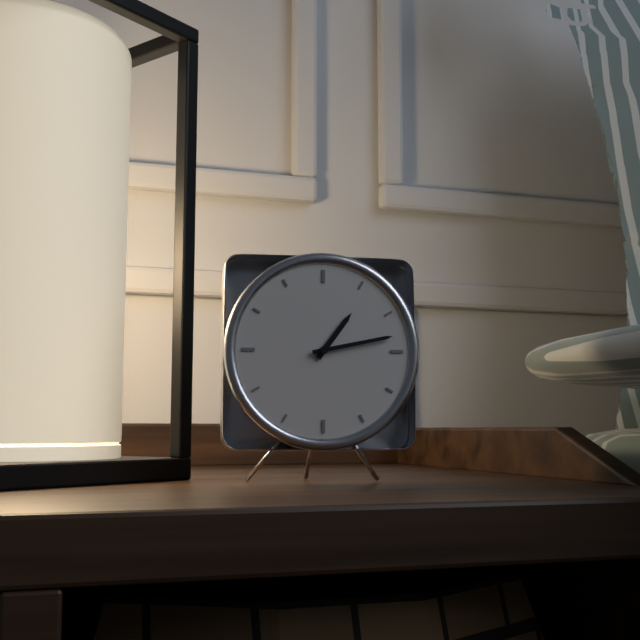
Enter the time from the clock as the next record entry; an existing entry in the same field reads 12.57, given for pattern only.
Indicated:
1.13
